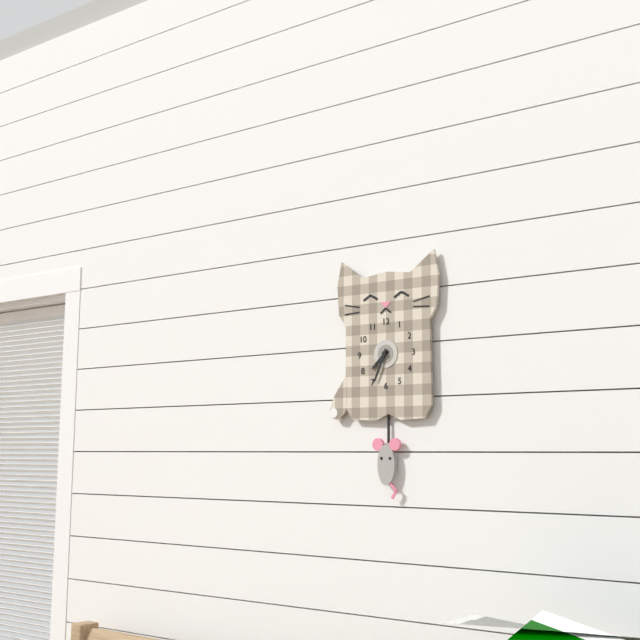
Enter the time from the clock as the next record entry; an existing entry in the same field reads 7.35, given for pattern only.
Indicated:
7.34
